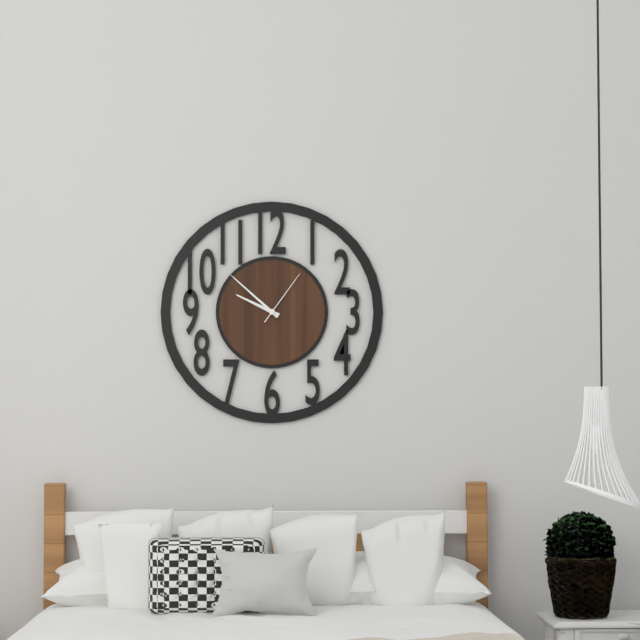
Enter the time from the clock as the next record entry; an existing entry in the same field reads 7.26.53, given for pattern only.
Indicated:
9.52.06
